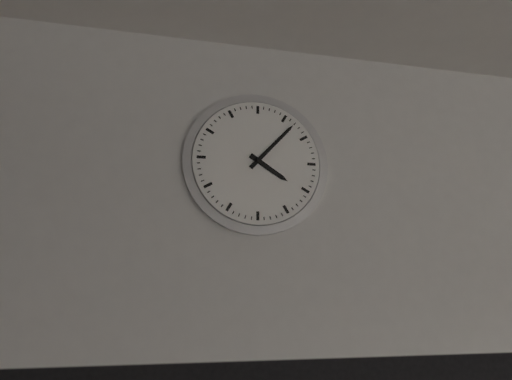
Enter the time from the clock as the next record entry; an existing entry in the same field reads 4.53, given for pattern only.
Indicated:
4.07
